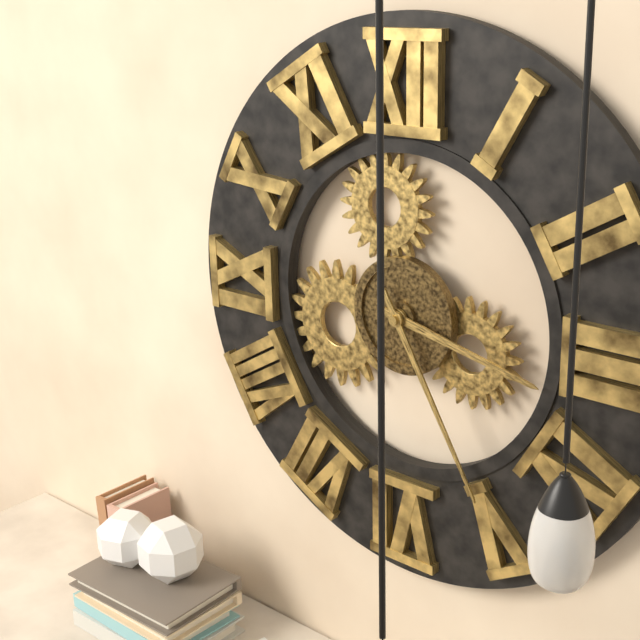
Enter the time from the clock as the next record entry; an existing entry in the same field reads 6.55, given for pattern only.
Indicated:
3.25
